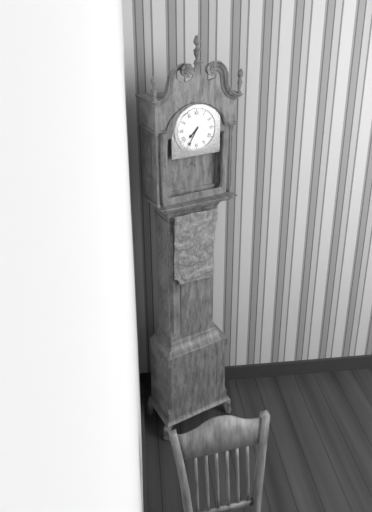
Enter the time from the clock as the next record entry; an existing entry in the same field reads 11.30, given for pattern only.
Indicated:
7.35
